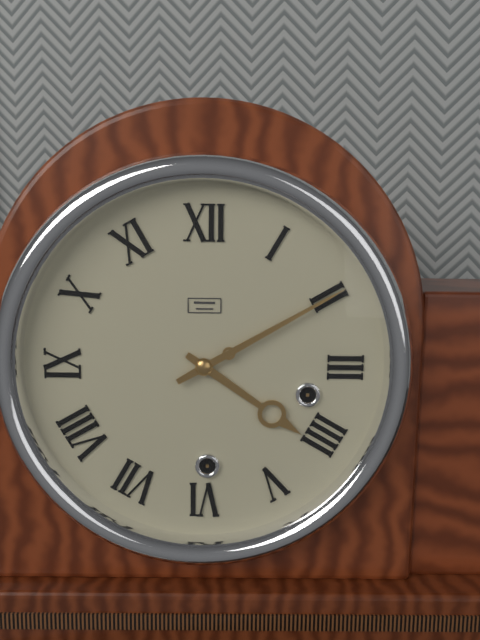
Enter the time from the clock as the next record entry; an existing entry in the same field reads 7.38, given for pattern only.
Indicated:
4.10
